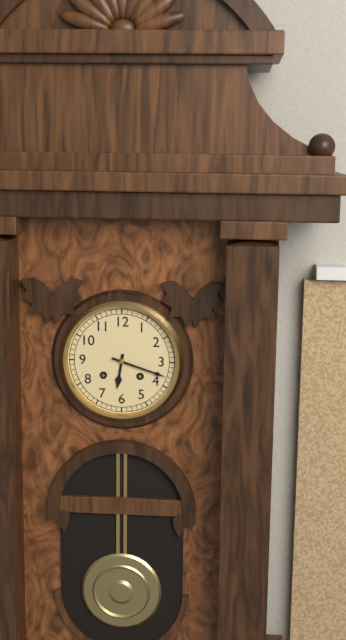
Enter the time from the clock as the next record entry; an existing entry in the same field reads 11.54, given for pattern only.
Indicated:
6.18
